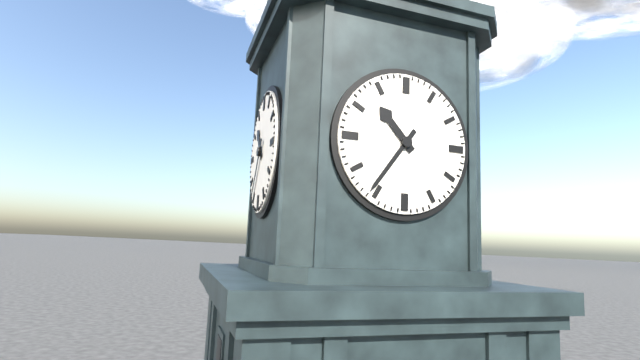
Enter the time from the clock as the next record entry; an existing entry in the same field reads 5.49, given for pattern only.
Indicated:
10.36
